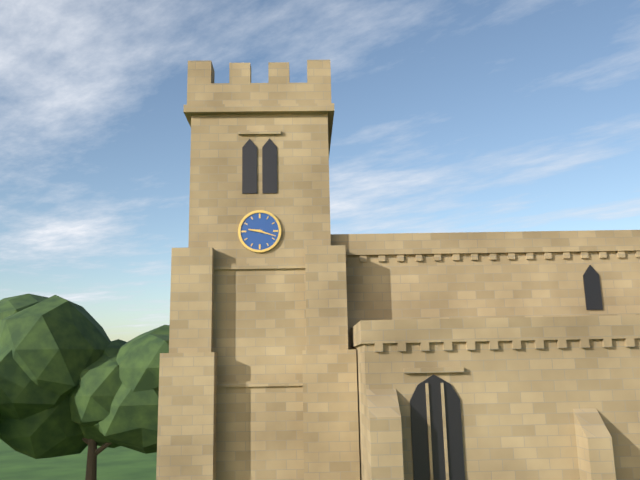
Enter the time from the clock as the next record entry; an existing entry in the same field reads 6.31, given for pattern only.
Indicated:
9.18
